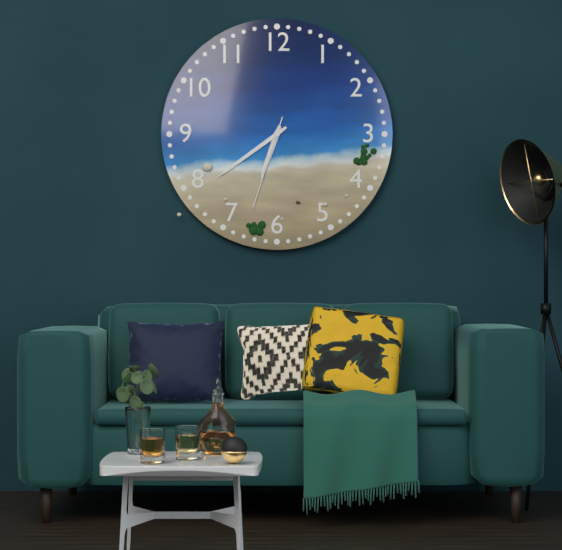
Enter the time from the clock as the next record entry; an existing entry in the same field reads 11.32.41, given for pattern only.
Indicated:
6.39.33
